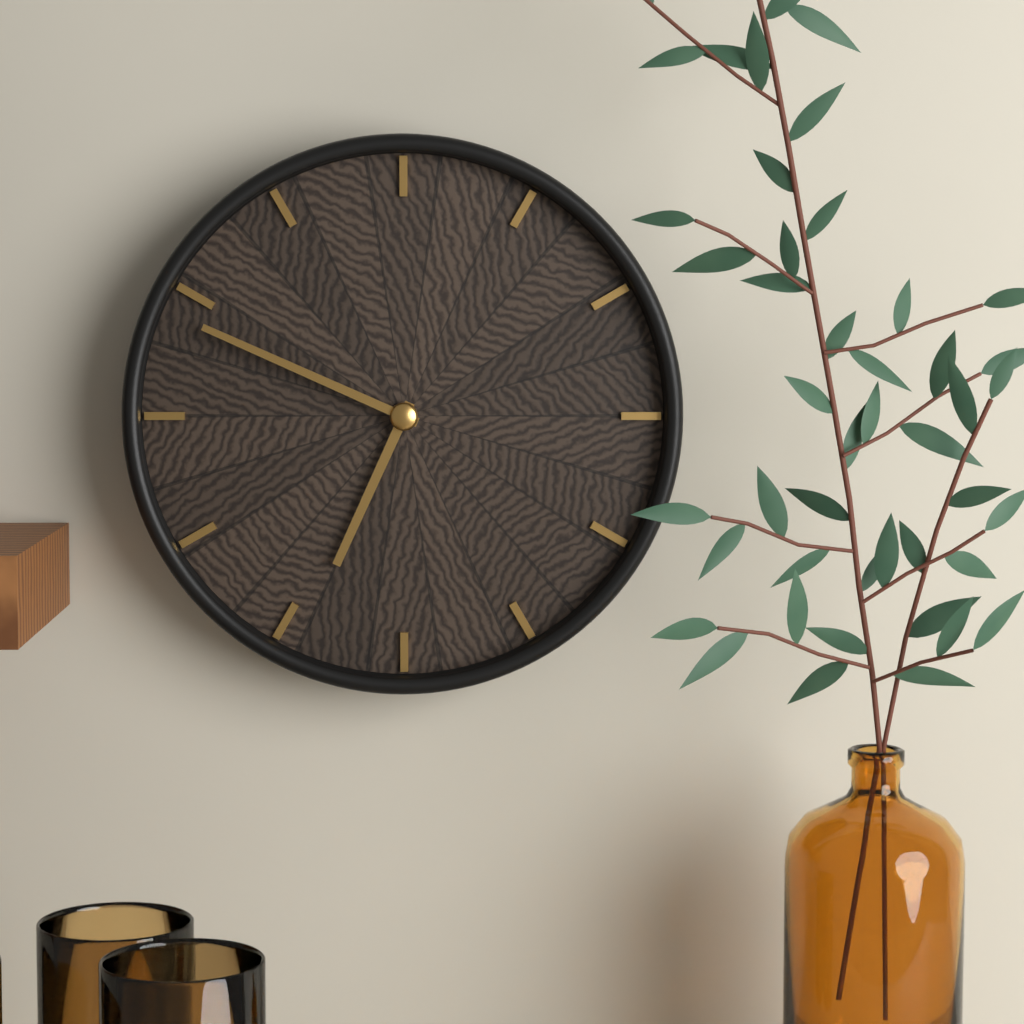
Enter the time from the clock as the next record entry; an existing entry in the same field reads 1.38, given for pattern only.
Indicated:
6.49
